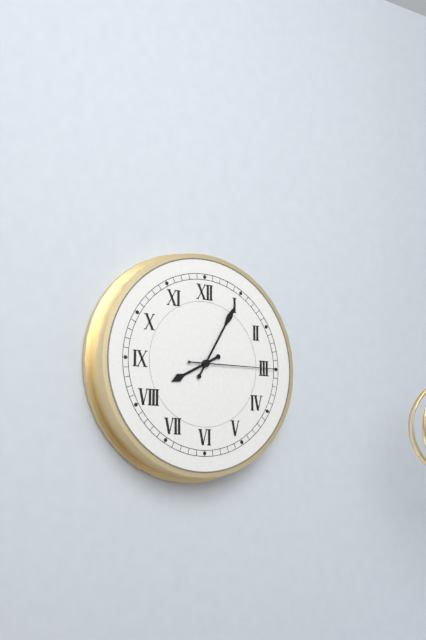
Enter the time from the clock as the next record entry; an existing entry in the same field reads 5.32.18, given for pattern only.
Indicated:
8.05.15
